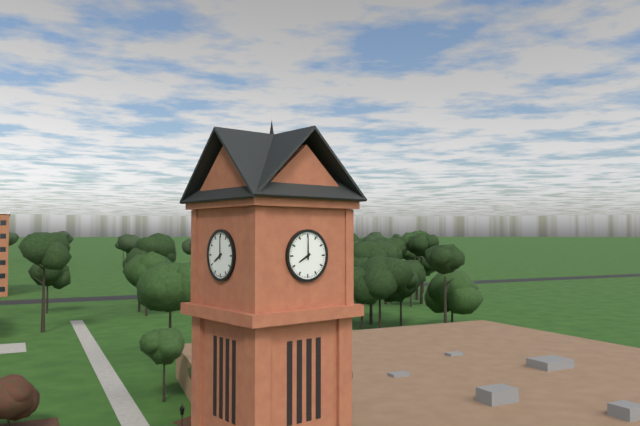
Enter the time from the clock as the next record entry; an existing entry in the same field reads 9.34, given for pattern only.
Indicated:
8.00
